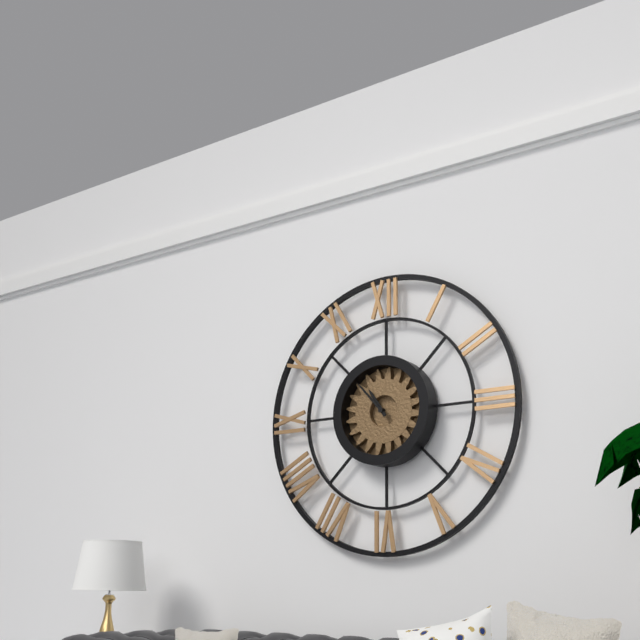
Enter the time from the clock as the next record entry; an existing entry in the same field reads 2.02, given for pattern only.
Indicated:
10.53
